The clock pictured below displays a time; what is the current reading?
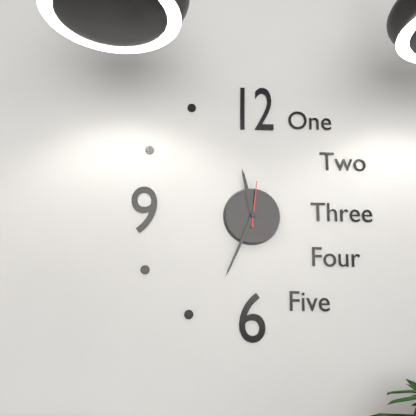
11:34
